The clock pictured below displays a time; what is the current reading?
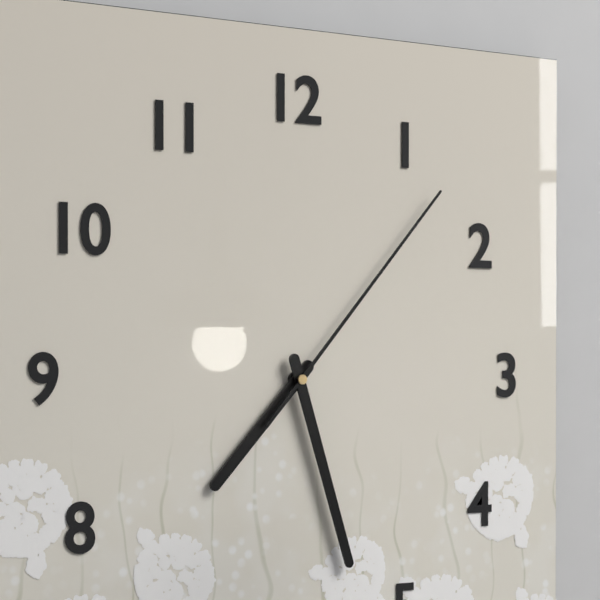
7:27:07
